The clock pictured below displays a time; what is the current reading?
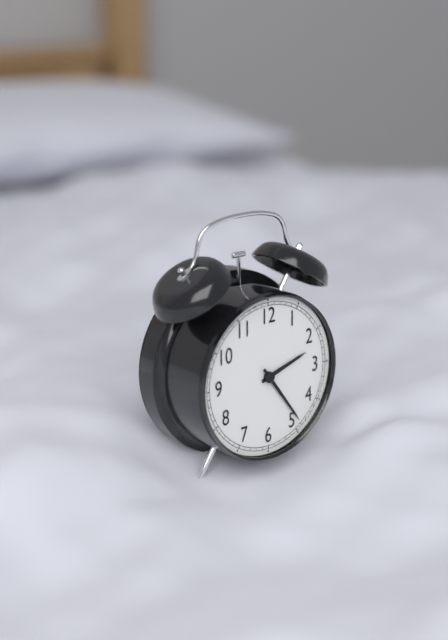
2:24
